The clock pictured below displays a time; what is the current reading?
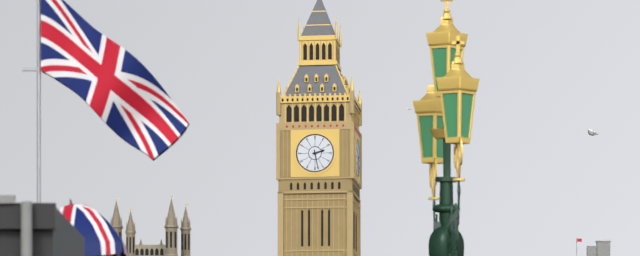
2:28
